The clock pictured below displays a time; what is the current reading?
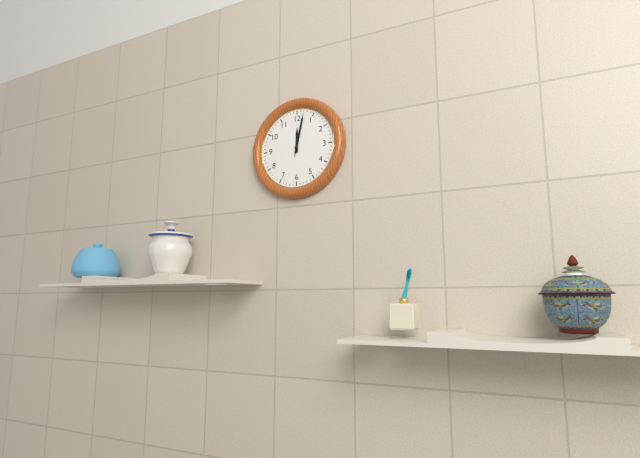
12:02
